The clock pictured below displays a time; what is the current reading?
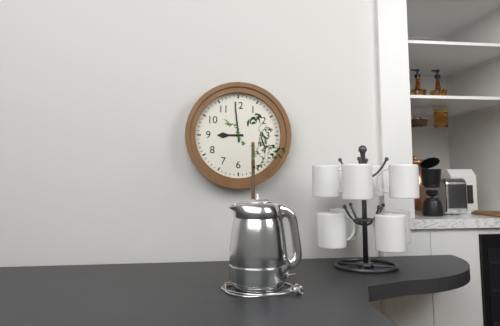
8:59
